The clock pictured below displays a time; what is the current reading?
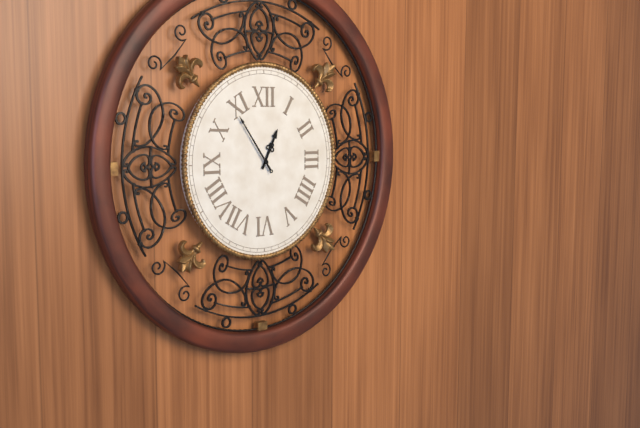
12:54
